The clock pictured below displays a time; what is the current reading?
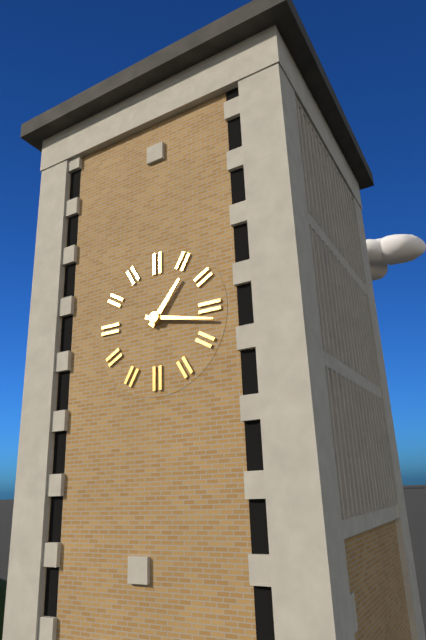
1:17
